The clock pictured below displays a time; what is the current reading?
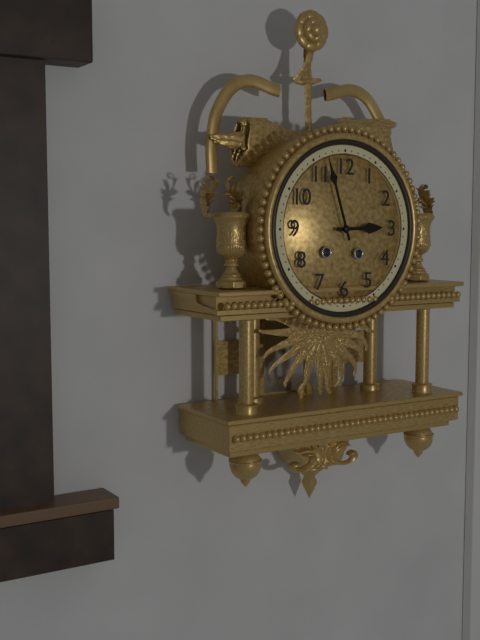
2:57
